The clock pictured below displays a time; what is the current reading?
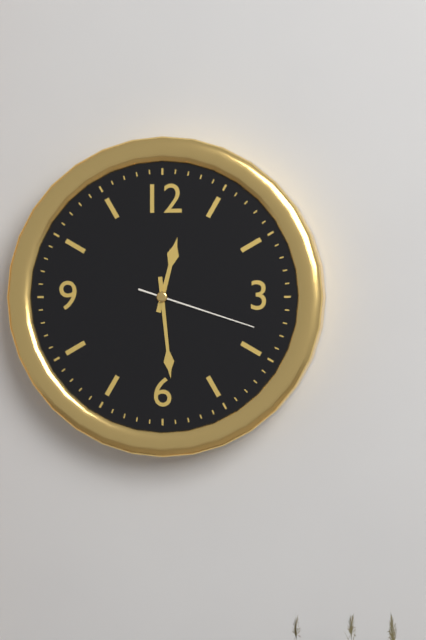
12:29:18
